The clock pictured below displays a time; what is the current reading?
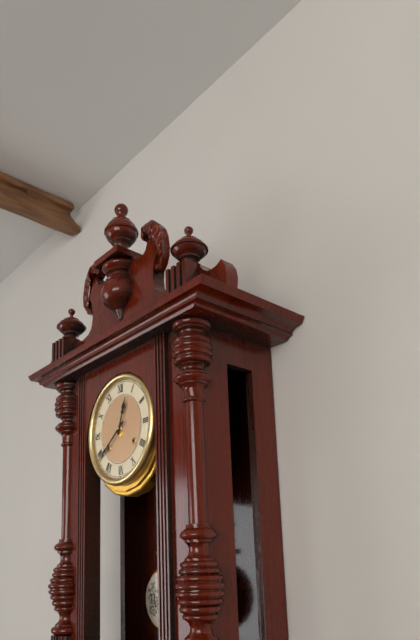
12:39
